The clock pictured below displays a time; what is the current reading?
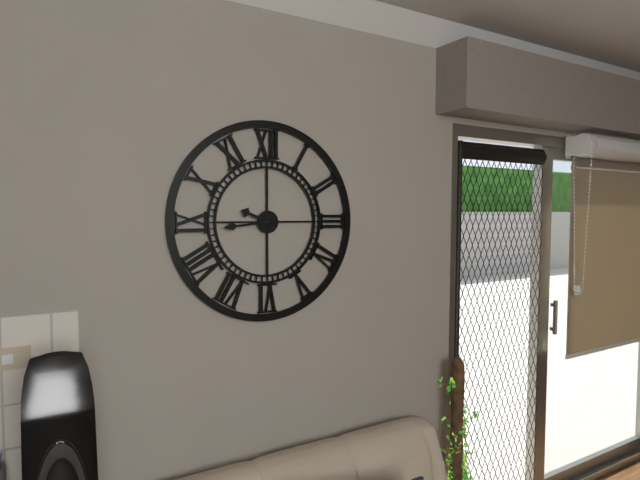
9:44
